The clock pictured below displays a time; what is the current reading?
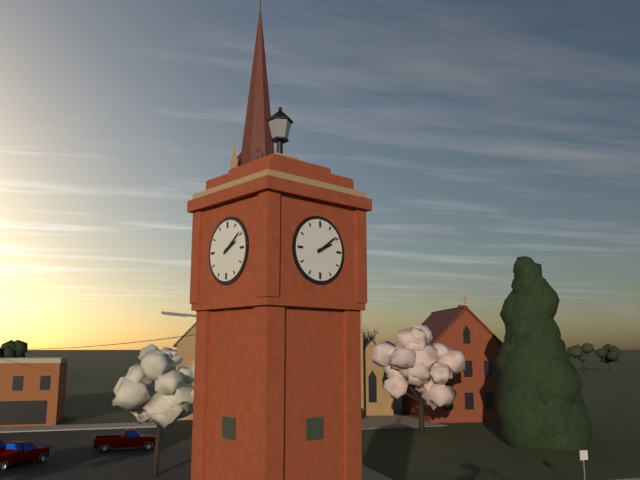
2:09
